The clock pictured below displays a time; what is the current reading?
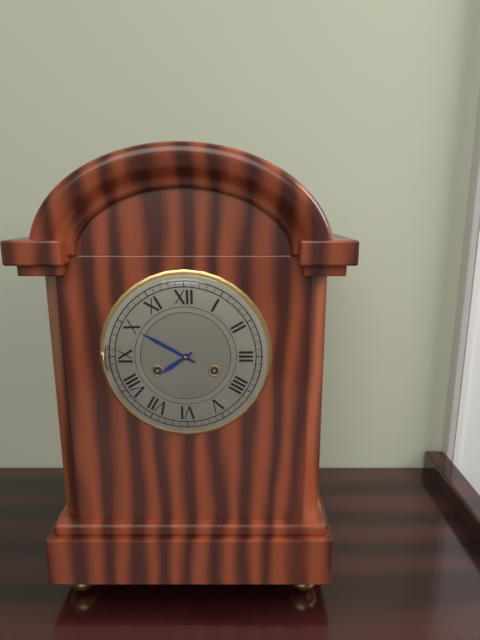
7:50
